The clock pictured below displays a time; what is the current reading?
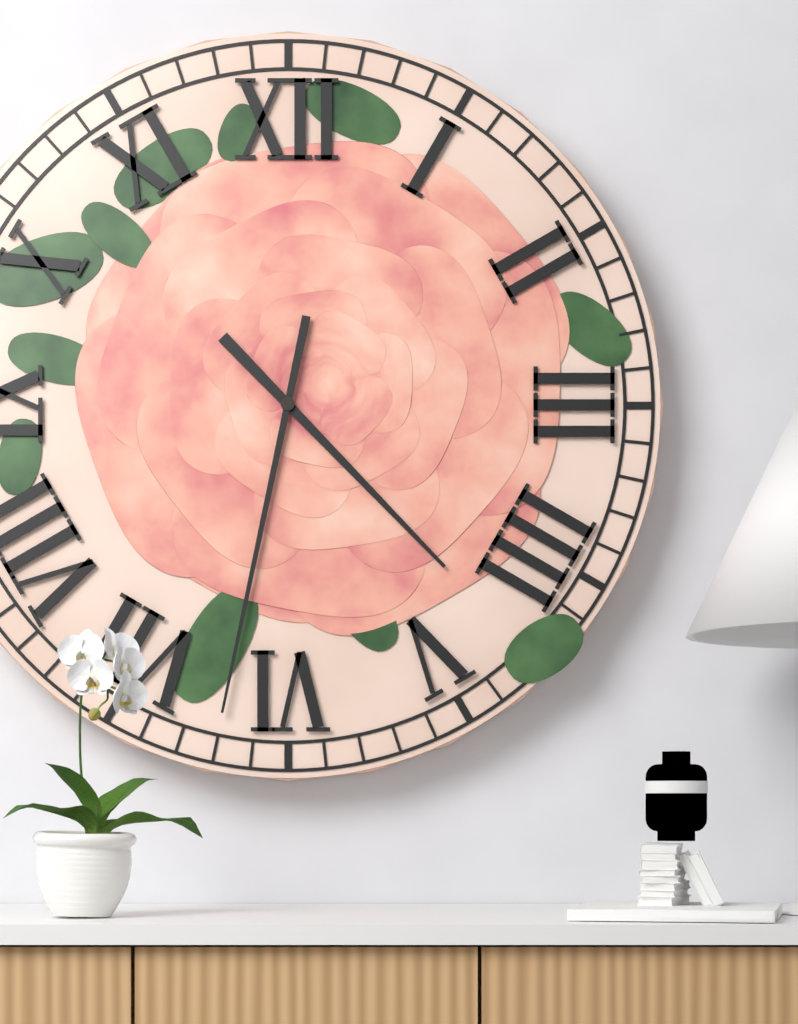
4:32
